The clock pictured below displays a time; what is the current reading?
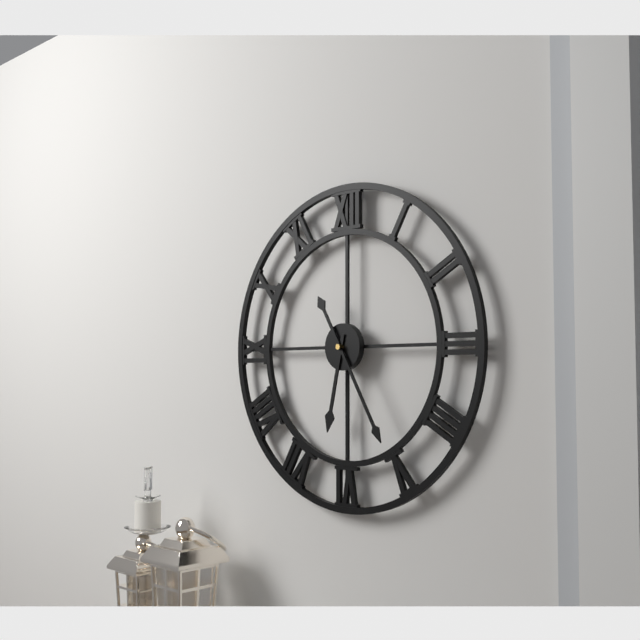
6:25
